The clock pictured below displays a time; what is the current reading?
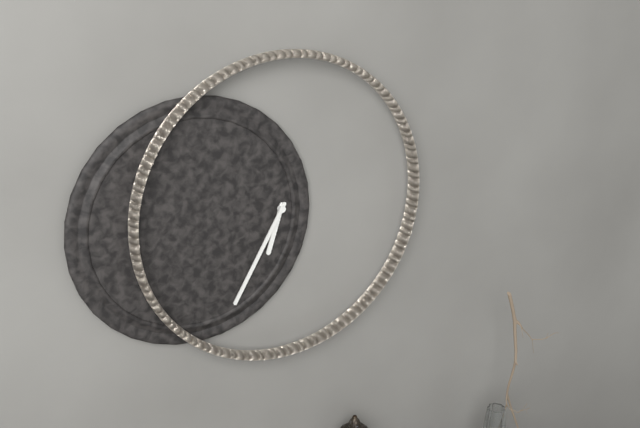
6:35
